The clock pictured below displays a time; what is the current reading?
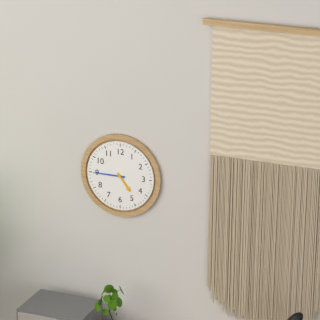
4:45
